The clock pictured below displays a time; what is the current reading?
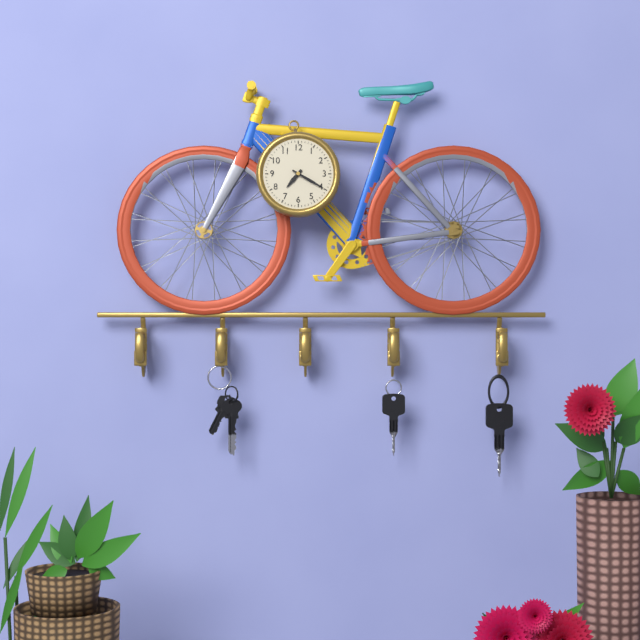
7:20
